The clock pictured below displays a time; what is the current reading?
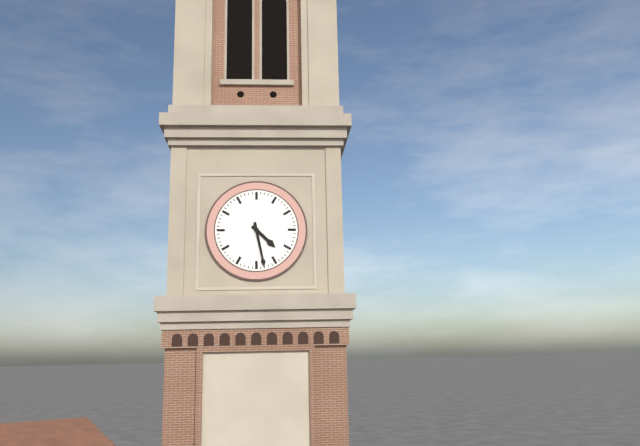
4:28
